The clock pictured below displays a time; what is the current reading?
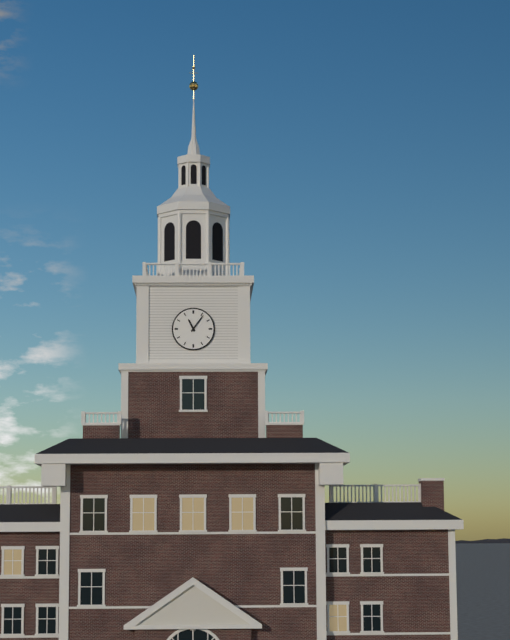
11:06
